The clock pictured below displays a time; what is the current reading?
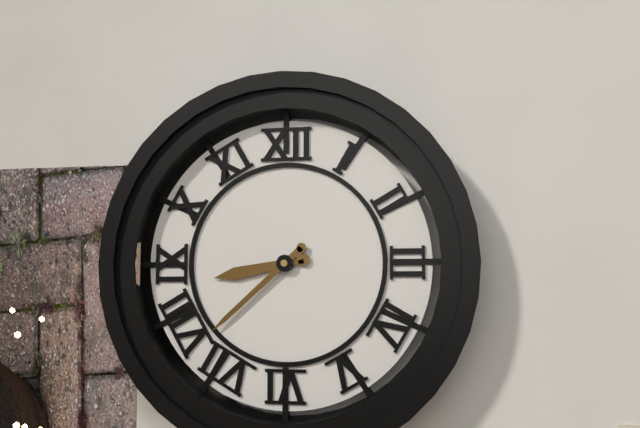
8:38
